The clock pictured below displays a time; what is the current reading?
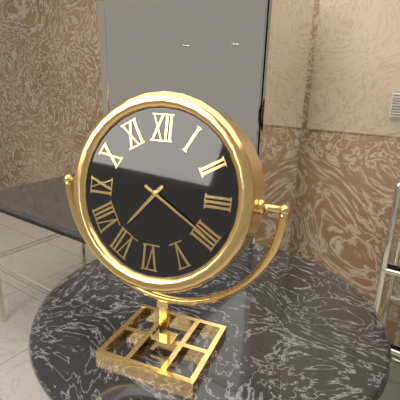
7:20
